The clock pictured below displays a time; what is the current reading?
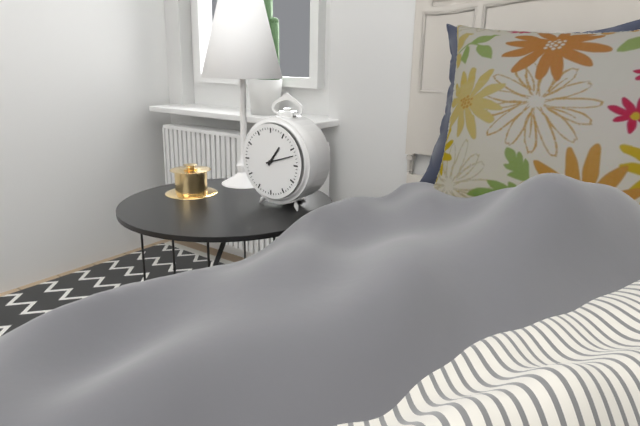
1:12
